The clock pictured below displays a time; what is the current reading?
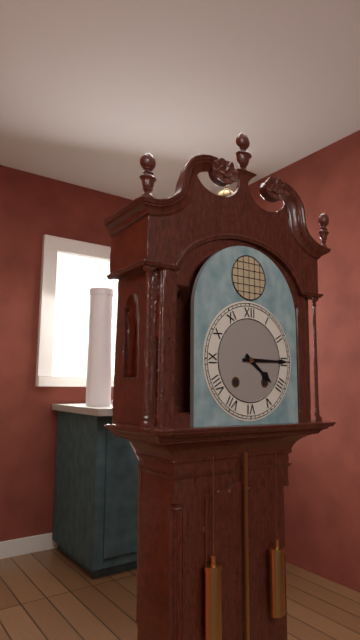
4:15
